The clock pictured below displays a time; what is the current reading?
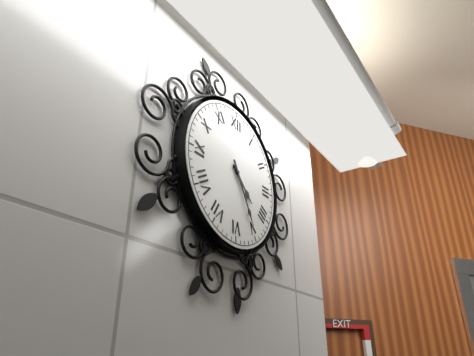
4:25
